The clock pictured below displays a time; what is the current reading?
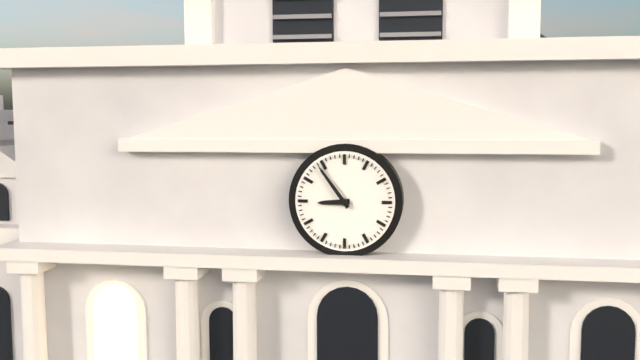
8:54
